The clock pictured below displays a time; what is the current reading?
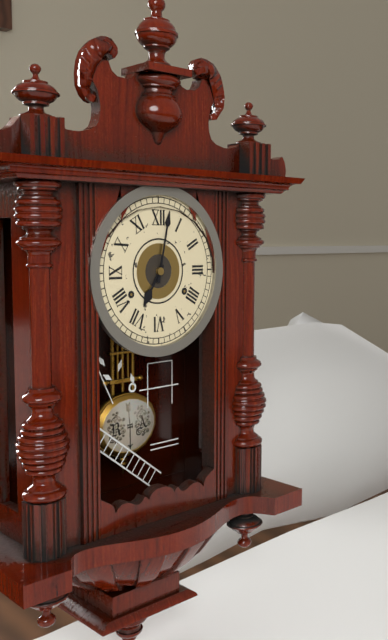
7:02
